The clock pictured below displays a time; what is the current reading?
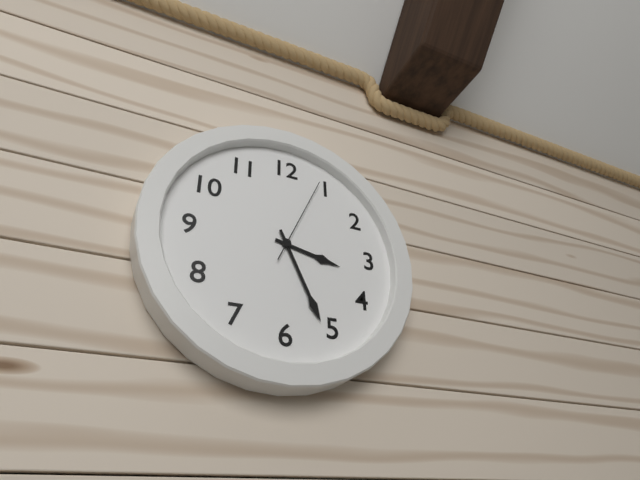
3:26:04
